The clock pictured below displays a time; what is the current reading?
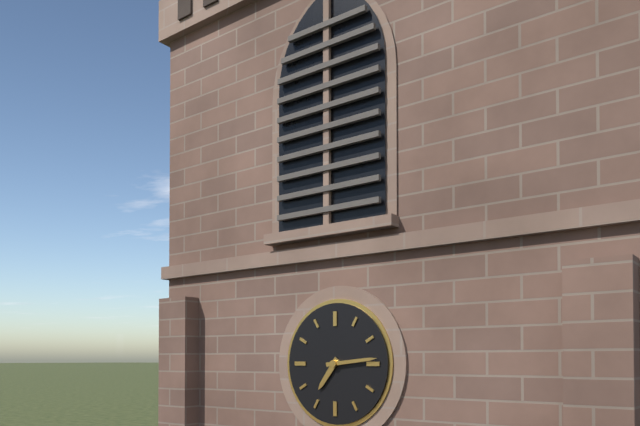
7:14
